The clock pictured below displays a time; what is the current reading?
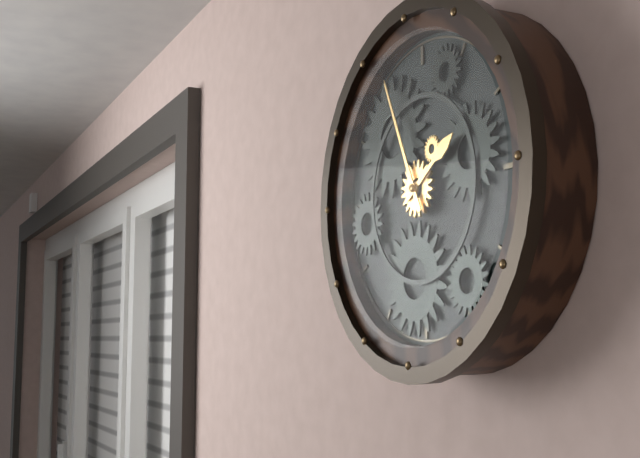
1:56
